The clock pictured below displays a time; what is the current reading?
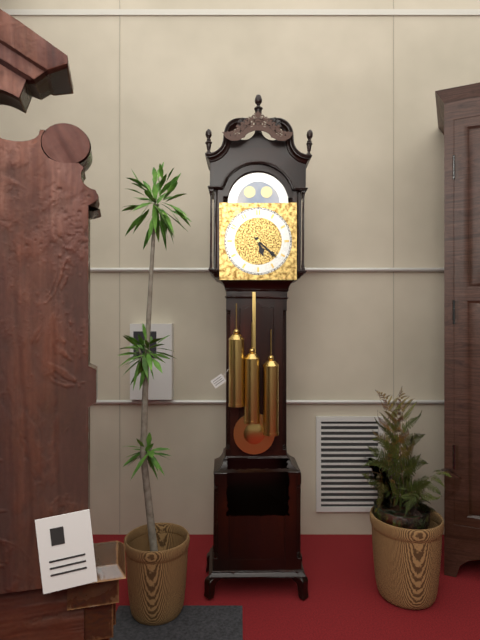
5:22
